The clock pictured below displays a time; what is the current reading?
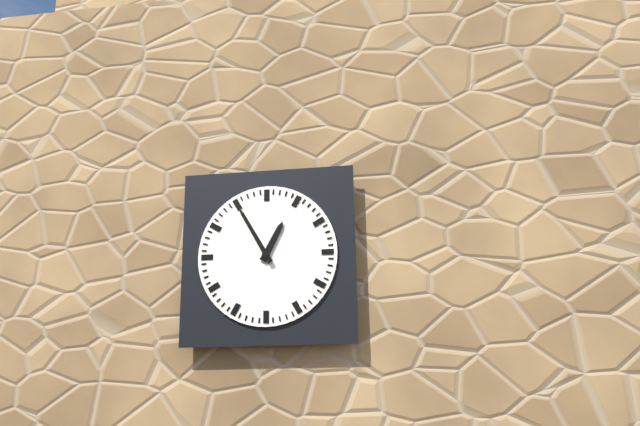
12:55
